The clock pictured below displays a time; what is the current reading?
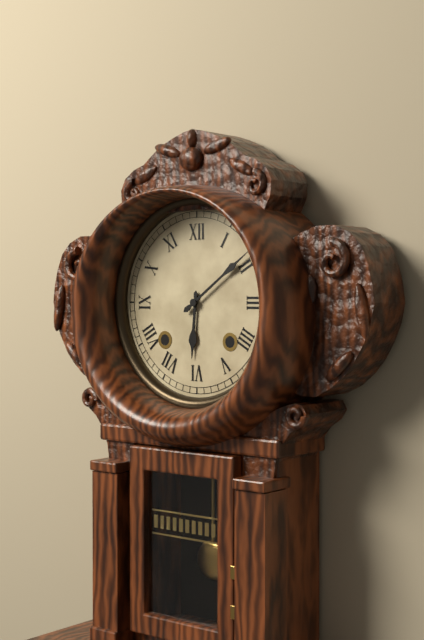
6:09
